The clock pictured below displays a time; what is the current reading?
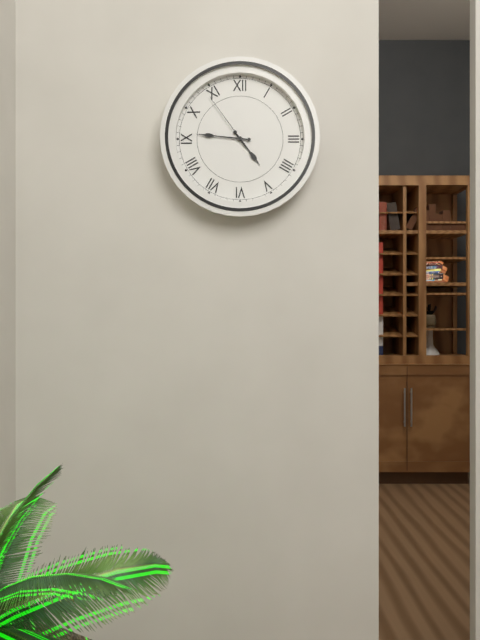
4:46:54
